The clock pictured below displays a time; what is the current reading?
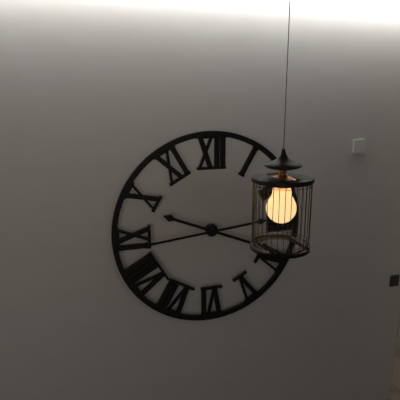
3:44
